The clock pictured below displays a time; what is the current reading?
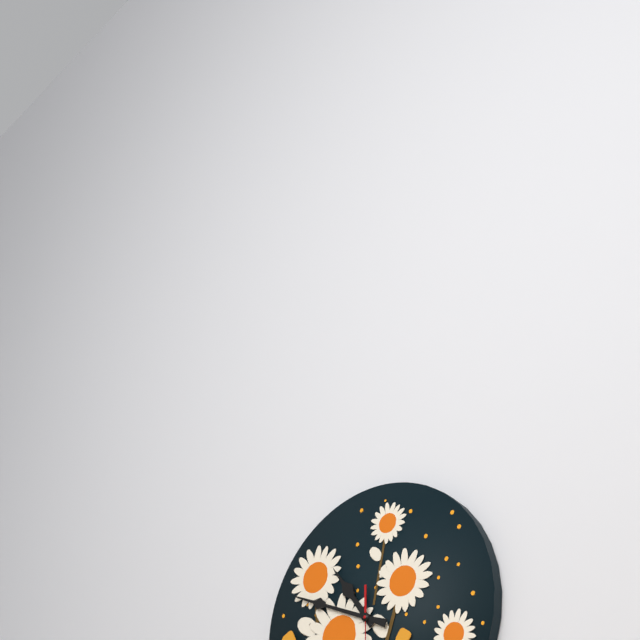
10:49
